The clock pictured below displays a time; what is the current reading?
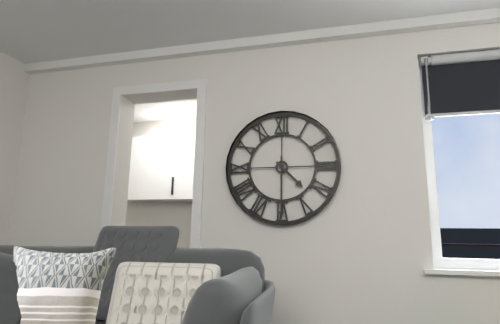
4:30
